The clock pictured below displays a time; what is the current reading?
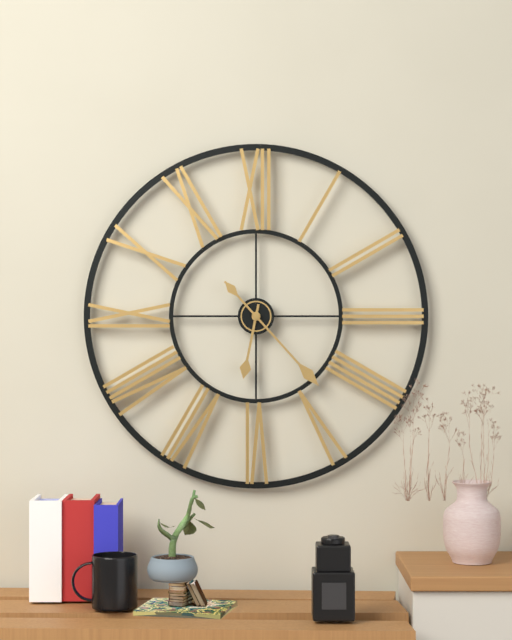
6:23
